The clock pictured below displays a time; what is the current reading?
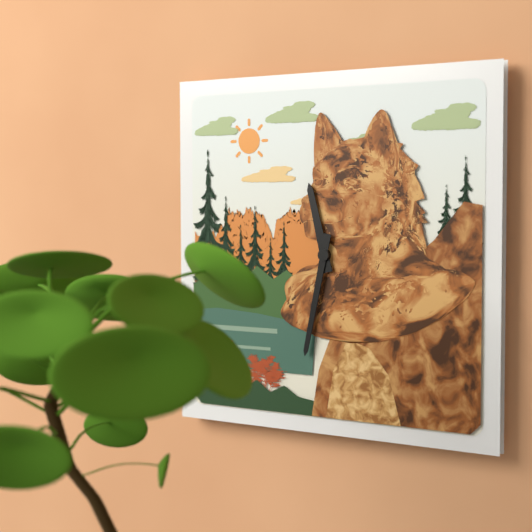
11:32
